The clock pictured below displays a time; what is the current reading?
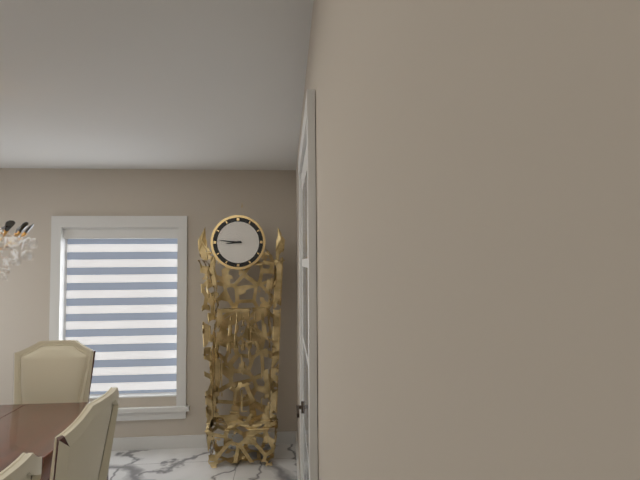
8:46
